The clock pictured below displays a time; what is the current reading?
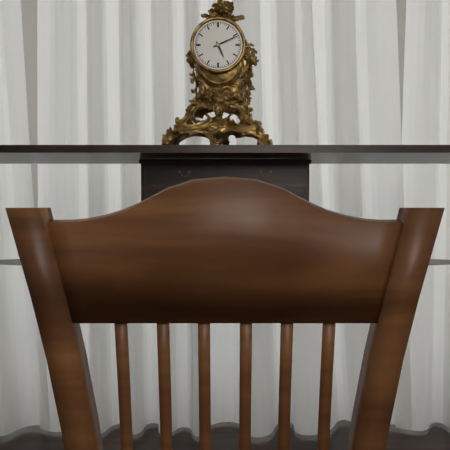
5:11
